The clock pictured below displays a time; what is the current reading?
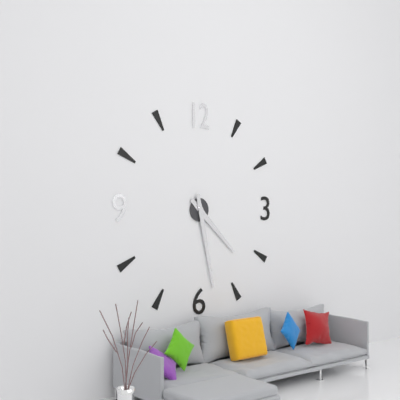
4:28
